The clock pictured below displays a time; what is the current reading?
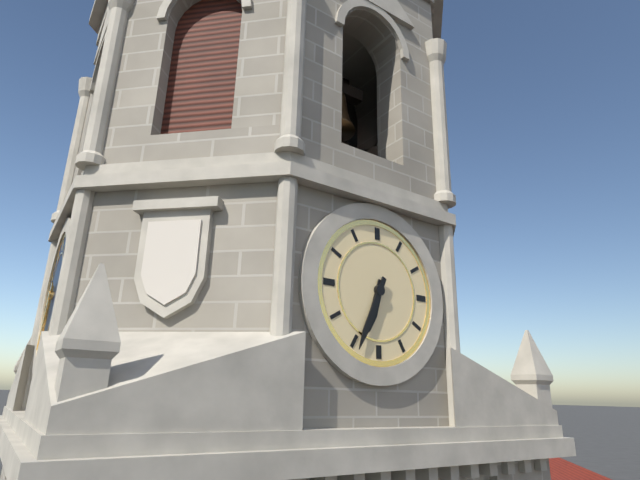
6:34
